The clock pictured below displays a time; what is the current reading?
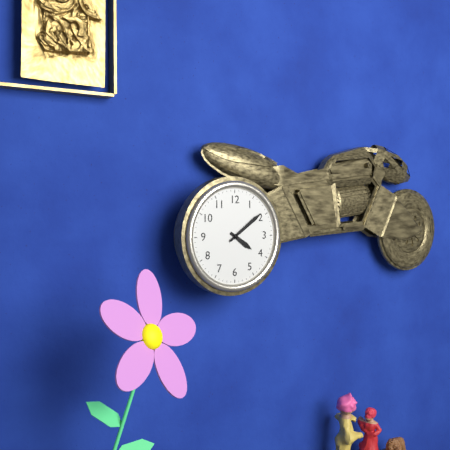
4:09
